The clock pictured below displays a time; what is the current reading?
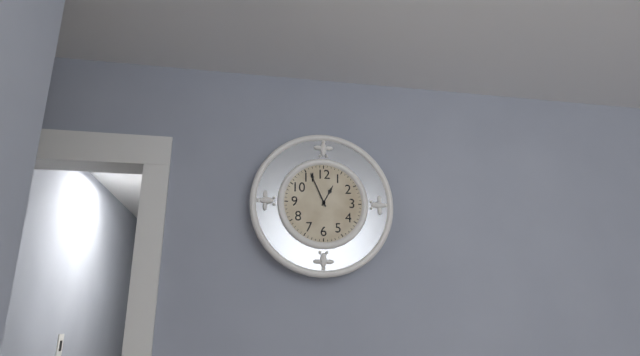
12:56
